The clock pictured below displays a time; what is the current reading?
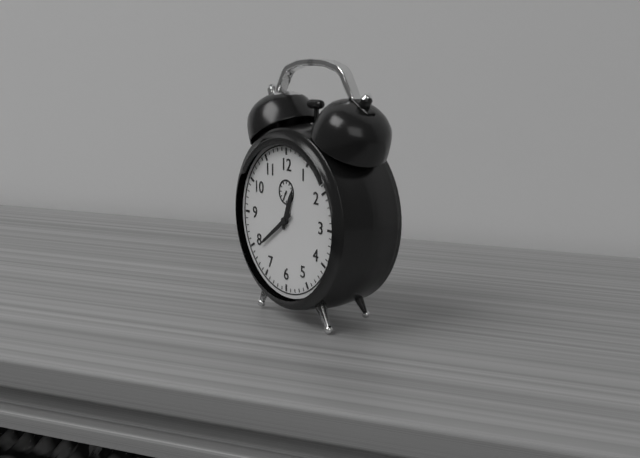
12:39
